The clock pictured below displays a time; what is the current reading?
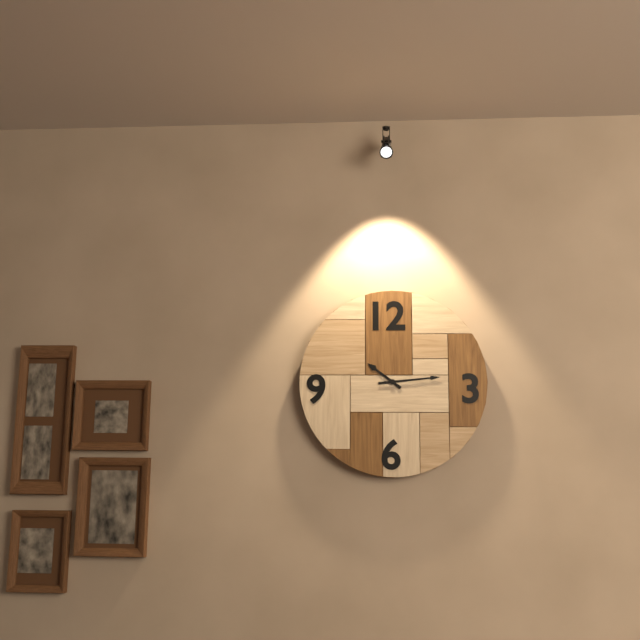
10:14
